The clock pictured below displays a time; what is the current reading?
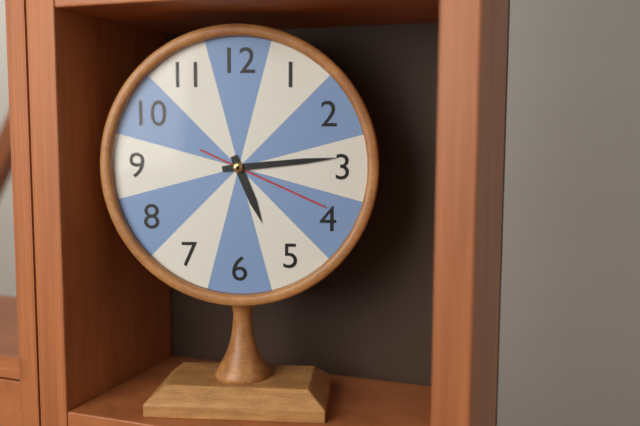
5:14:19
